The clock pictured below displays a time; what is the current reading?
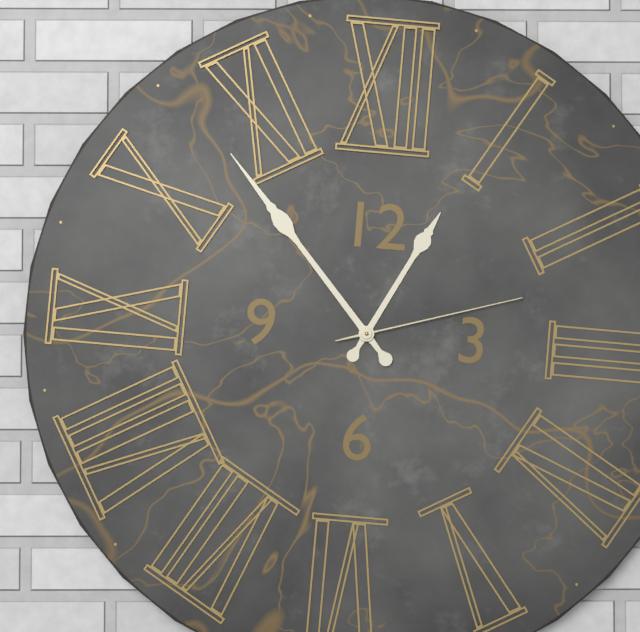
12:53:12
